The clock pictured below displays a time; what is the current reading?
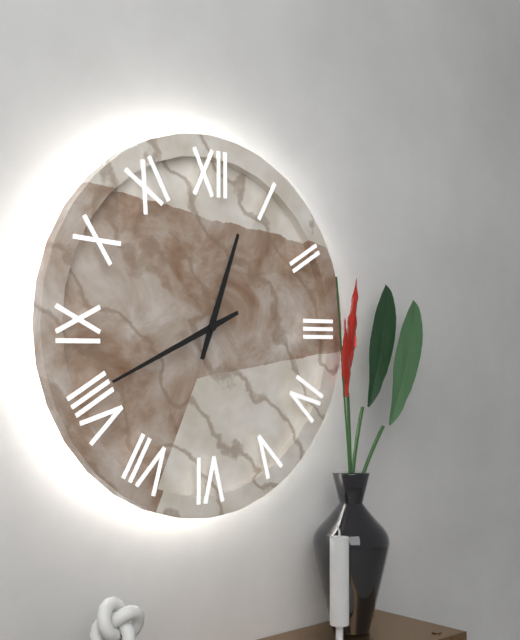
12:41
